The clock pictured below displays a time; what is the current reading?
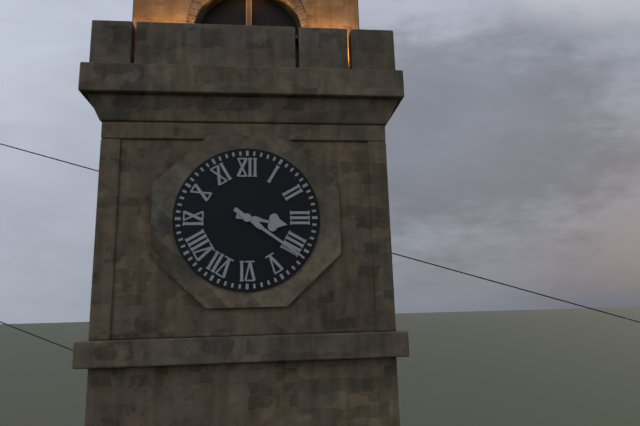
3:21
